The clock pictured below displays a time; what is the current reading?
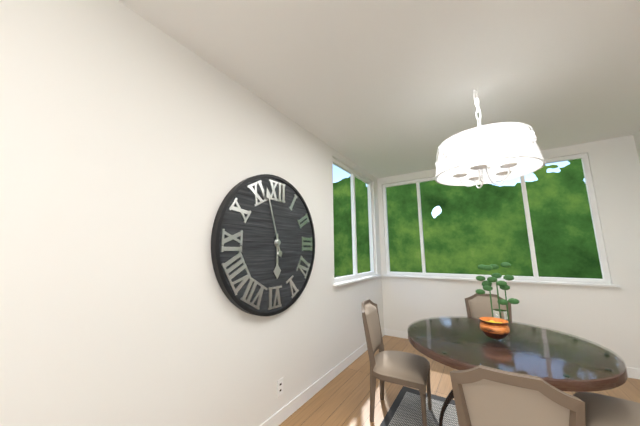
5:57
